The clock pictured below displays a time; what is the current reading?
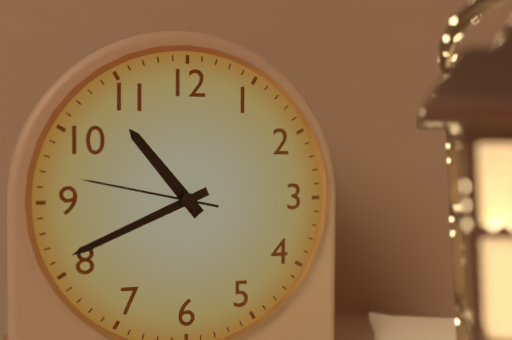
10:41:47
